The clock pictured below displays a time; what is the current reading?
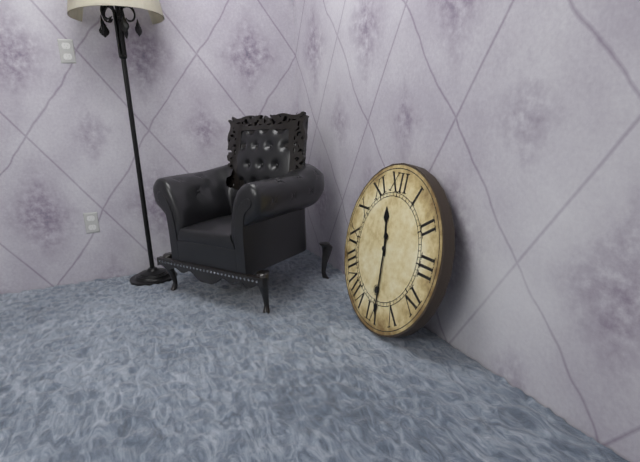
11:29
